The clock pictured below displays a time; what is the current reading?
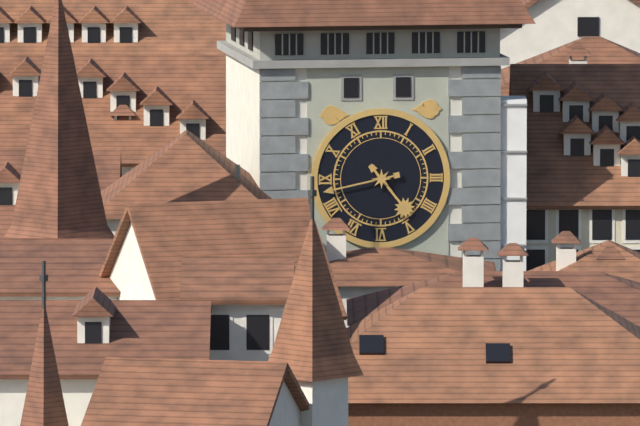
4:43
